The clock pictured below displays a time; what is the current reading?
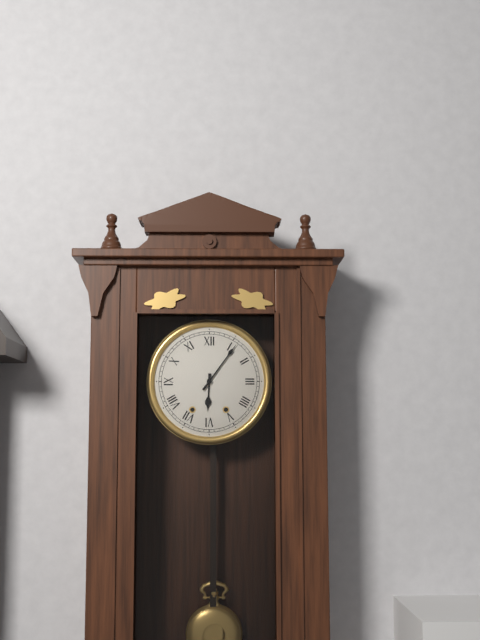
6:06
